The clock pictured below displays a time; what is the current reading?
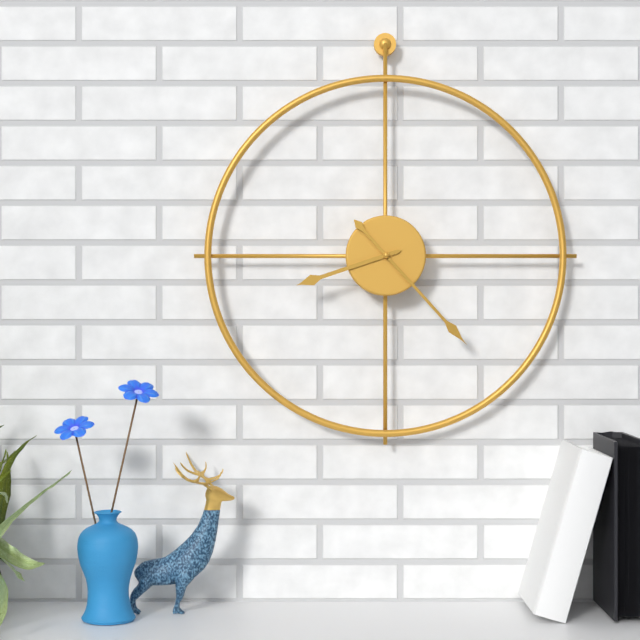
8:23
